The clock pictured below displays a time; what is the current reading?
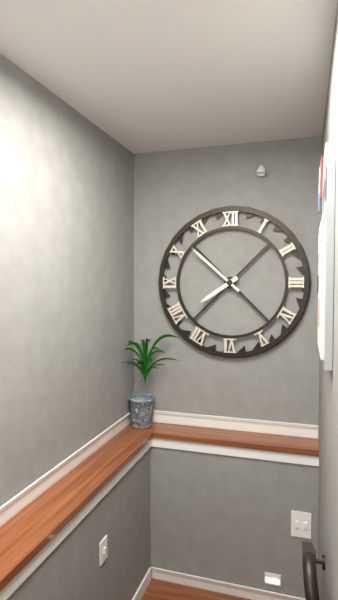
7:52
